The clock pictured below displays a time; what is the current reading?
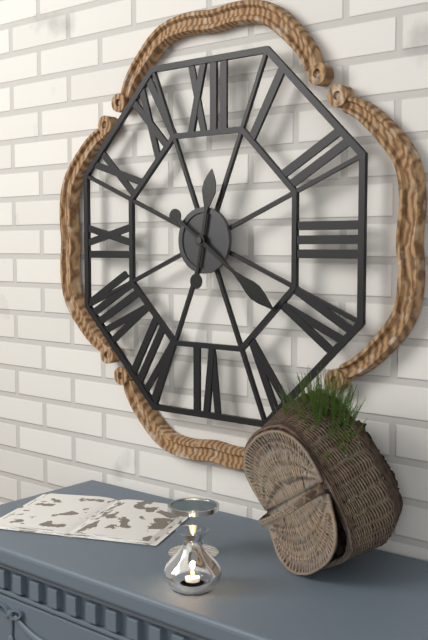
12:21
